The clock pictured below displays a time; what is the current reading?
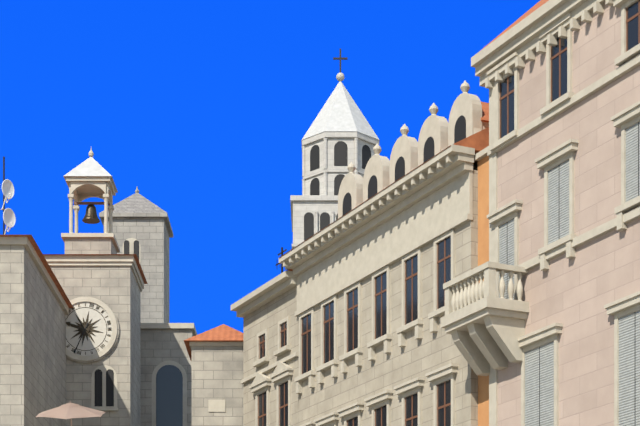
9:34
